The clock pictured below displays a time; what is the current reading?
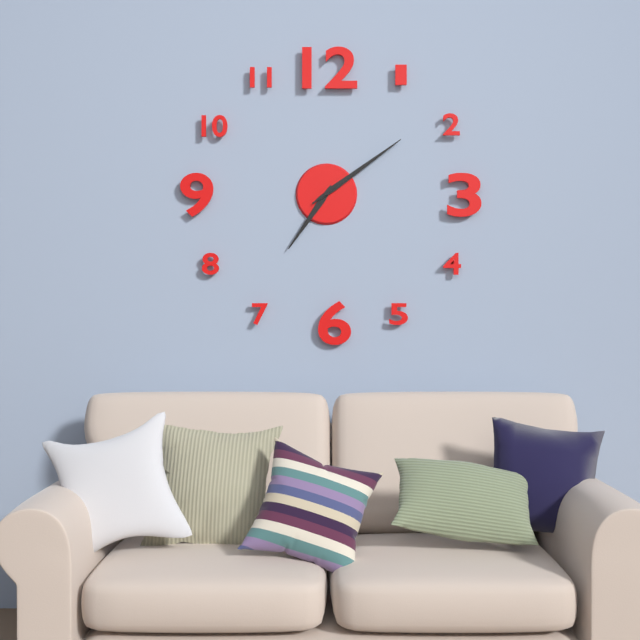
7:09:09
